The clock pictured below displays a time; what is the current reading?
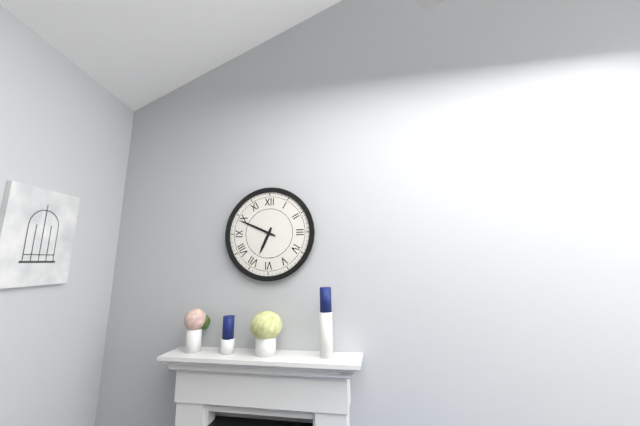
6:49
